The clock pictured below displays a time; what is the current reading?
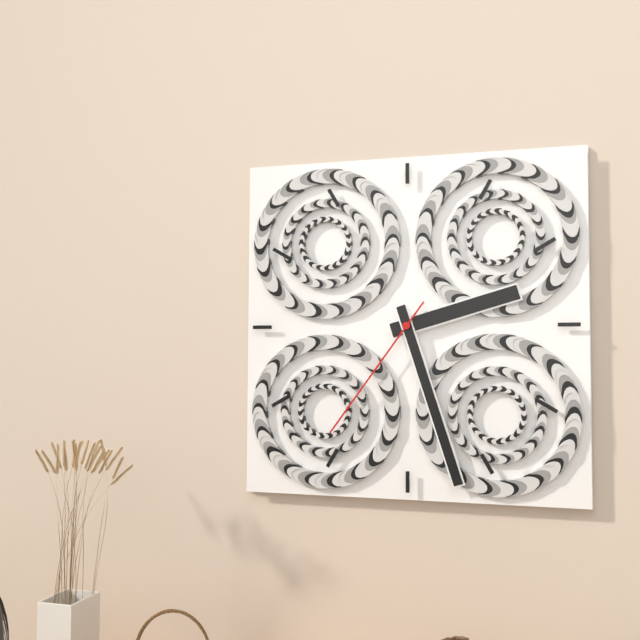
2:27:36
